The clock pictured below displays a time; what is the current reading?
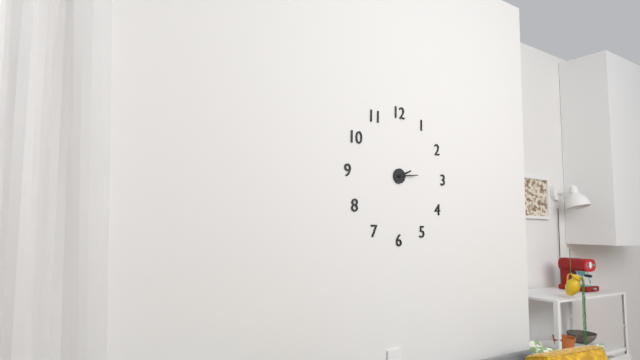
2:14
